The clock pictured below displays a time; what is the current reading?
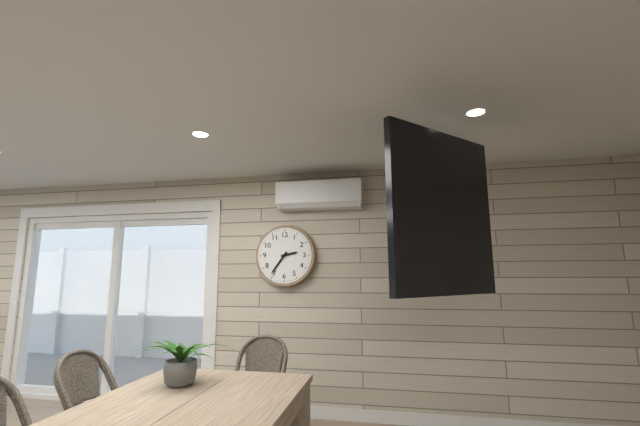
2:36
